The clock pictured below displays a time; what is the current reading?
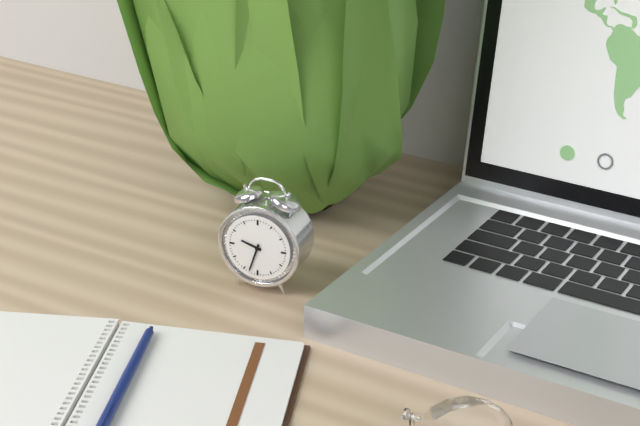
9:33
